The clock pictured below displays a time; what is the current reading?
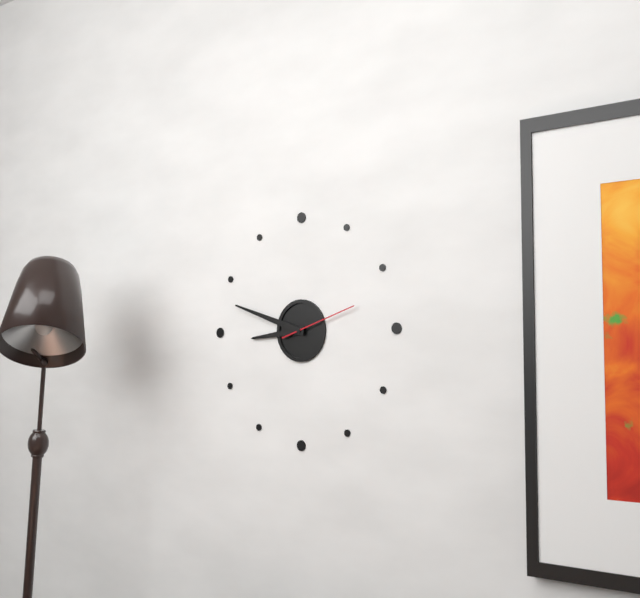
8:48:12
